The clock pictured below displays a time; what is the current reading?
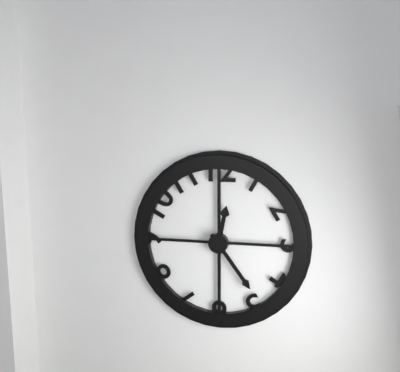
12:24
